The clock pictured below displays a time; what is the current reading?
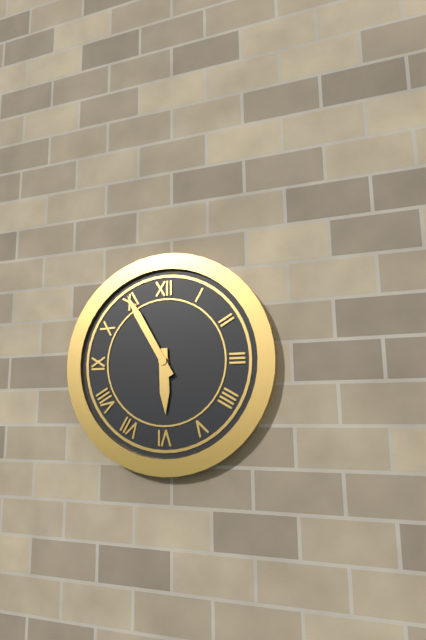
5:55
